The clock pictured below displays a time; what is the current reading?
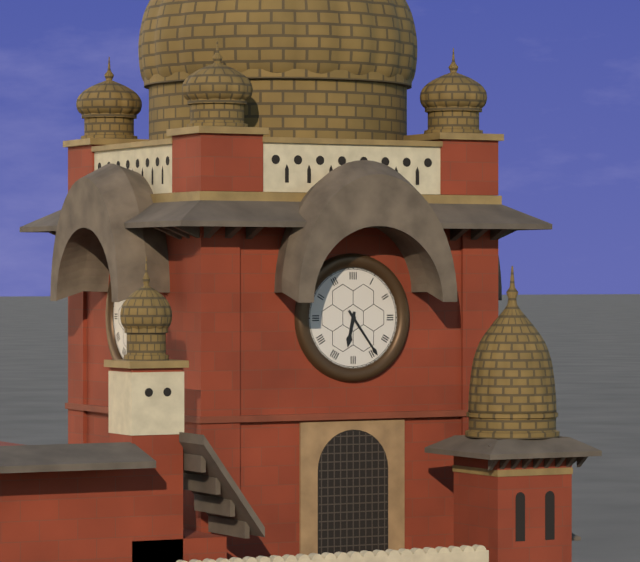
6:24
